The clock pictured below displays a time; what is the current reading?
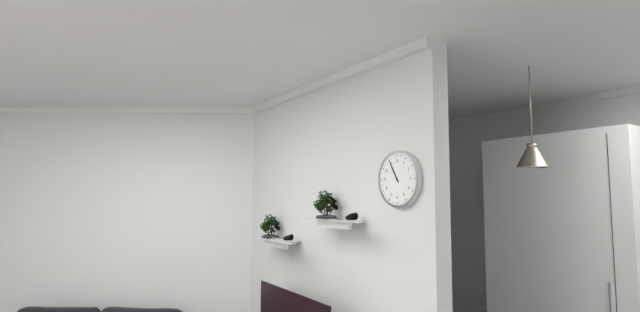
10:55
